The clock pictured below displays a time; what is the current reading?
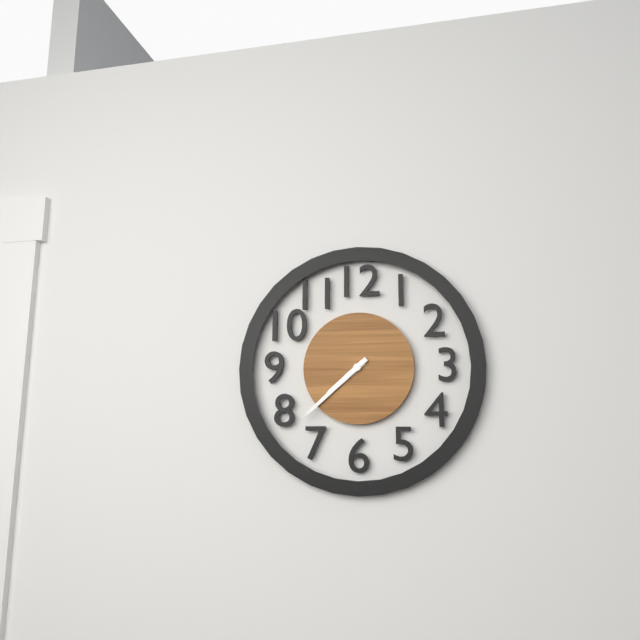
7:38
